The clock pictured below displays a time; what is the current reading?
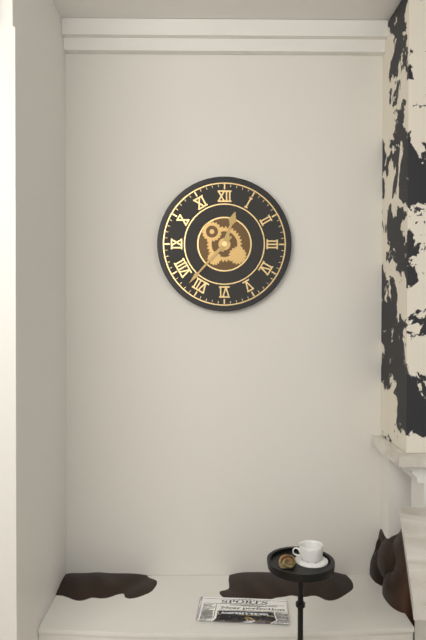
12:37
